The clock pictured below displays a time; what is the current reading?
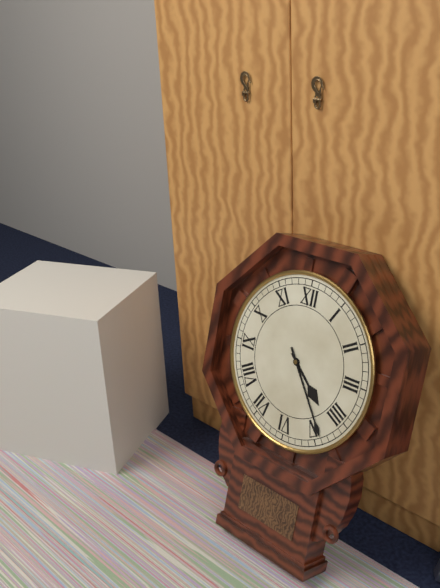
4:24
